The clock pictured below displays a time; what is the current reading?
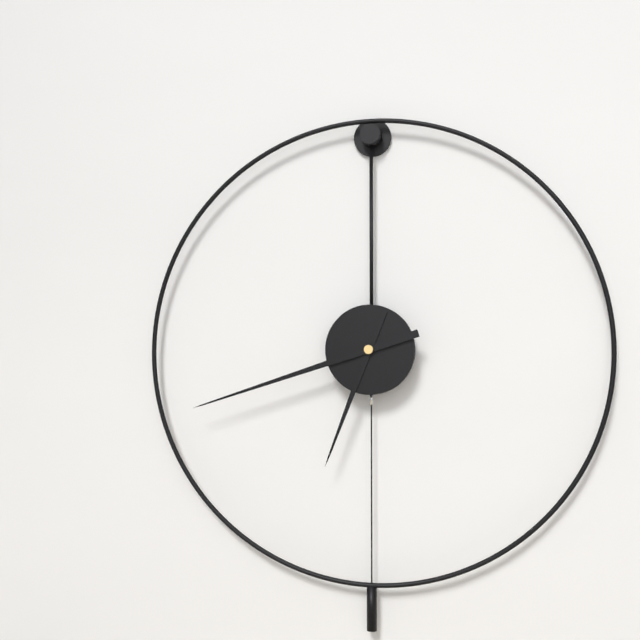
6:42
